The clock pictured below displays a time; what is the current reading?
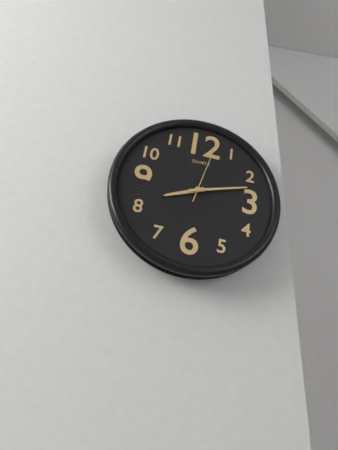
8:12:02
